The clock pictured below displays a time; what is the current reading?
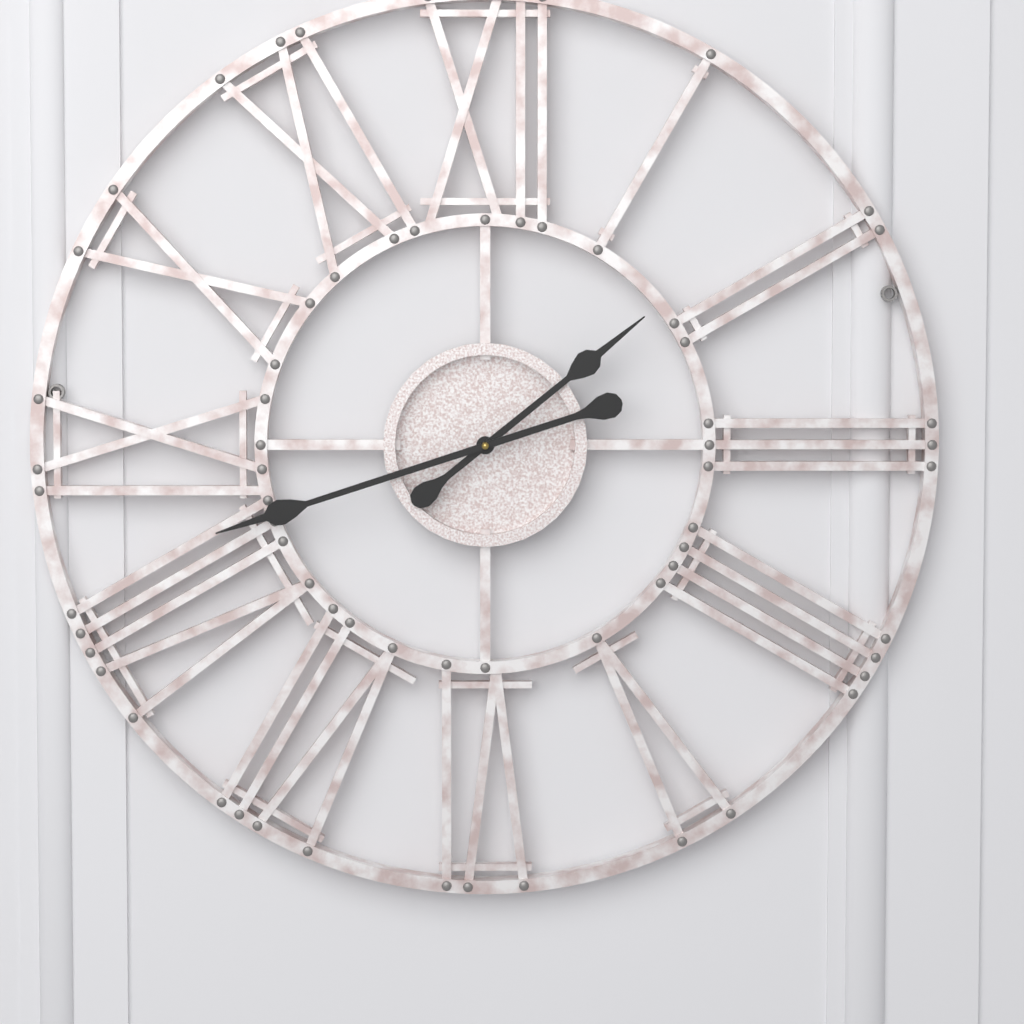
1:42
